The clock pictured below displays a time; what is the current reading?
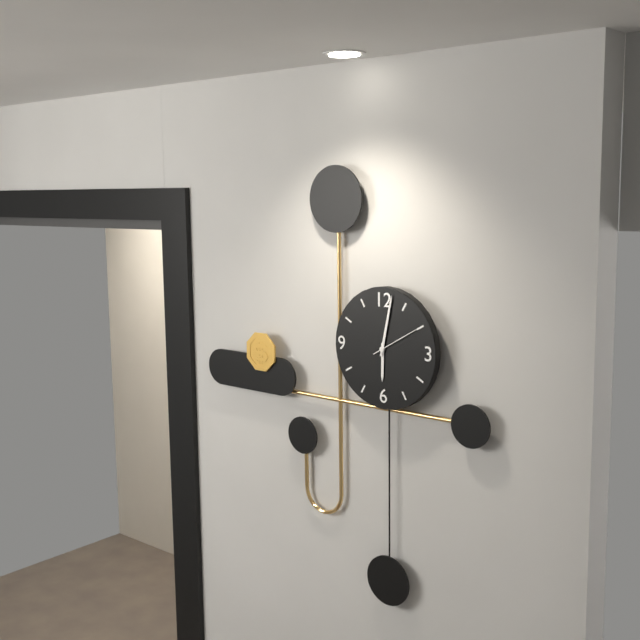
6:02:10
